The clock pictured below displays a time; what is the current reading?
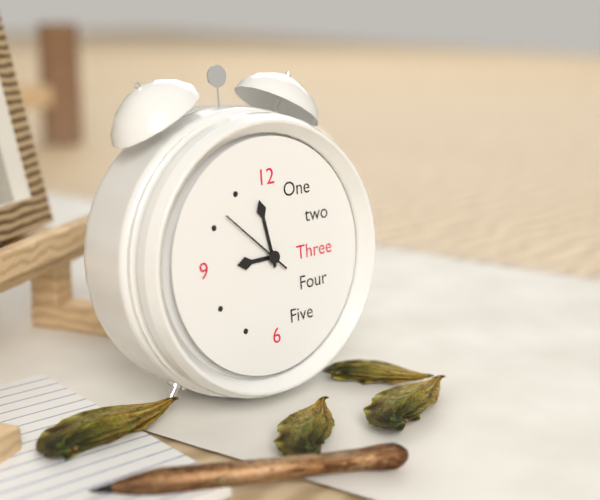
8:58:52
